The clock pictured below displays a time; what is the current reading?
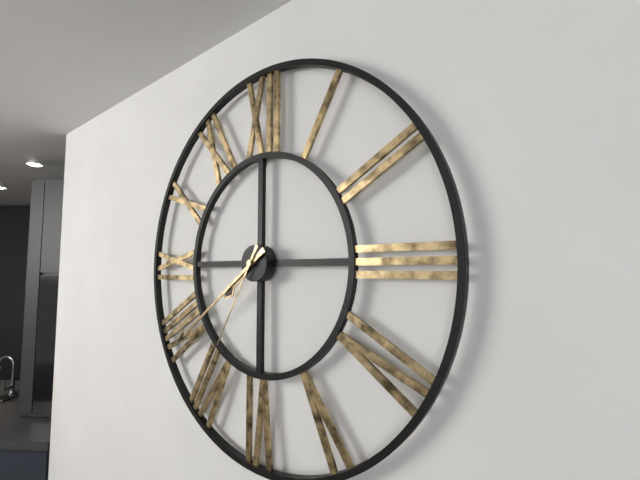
7:39:35
